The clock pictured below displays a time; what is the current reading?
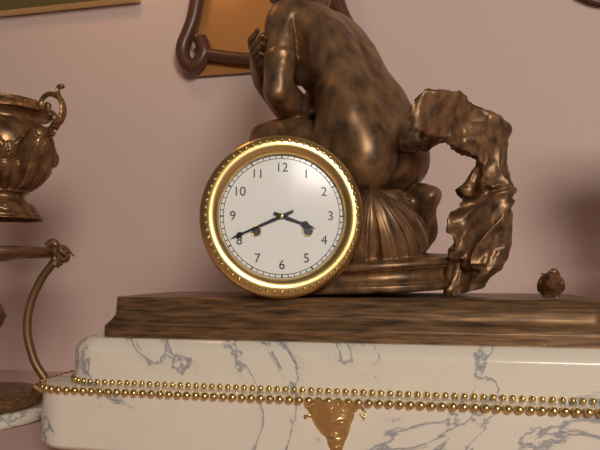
3:41
